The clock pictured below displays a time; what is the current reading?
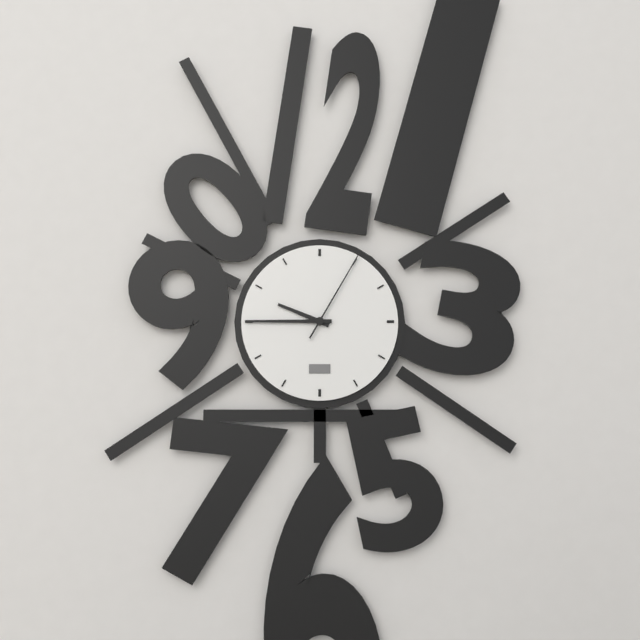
9:45:05
